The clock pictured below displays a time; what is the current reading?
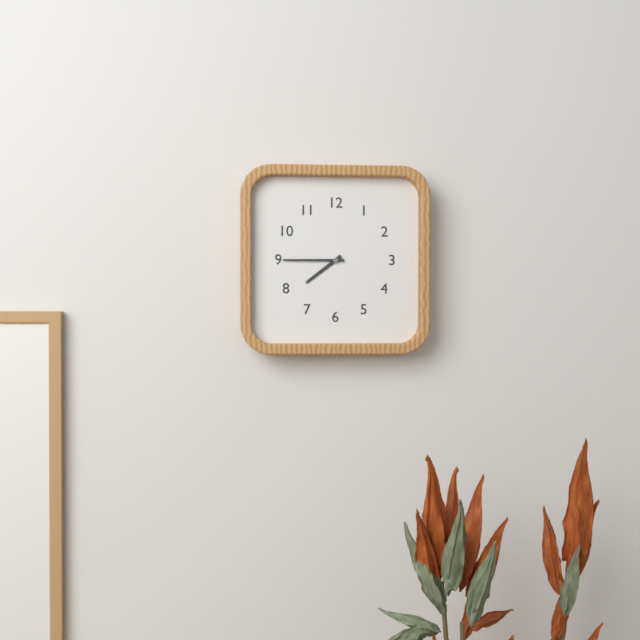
7:45
